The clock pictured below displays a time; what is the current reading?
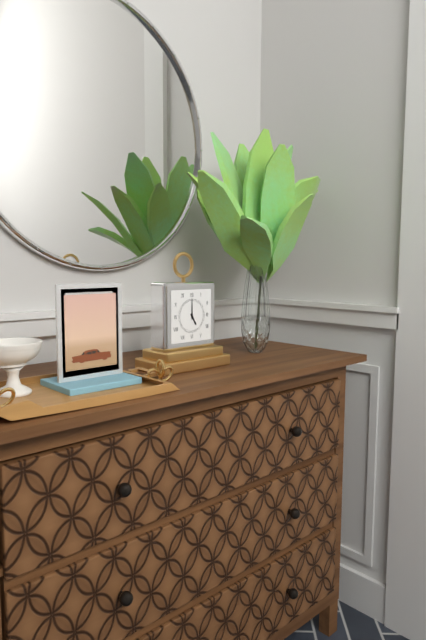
5:00
